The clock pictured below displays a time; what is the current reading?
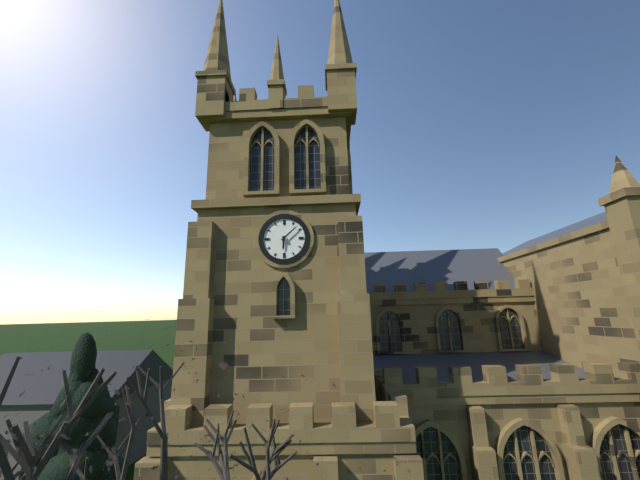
6:08
